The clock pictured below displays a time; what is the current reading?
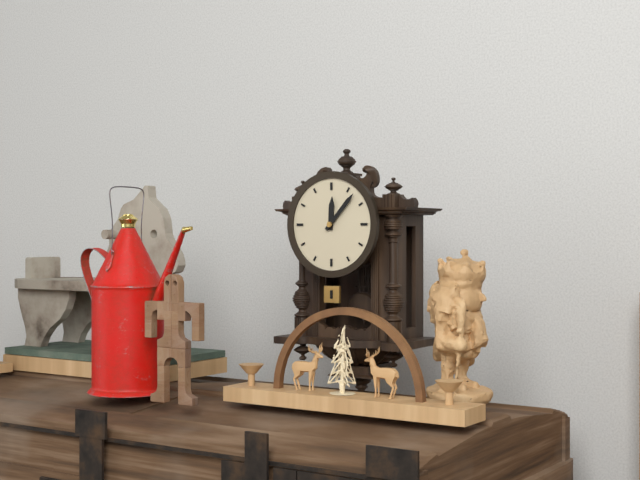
12:07
